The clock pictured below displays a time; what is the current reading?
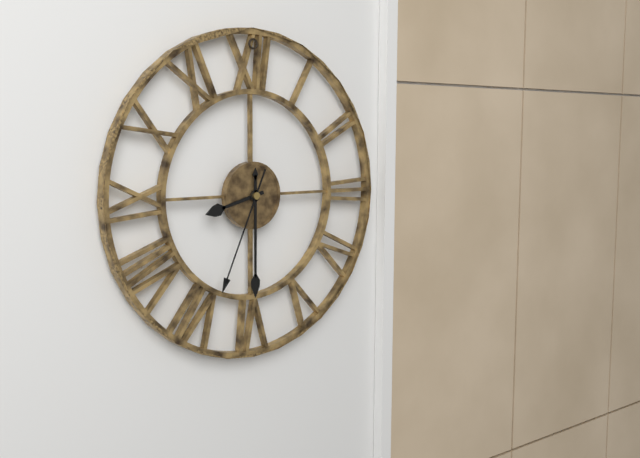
8:30:34
